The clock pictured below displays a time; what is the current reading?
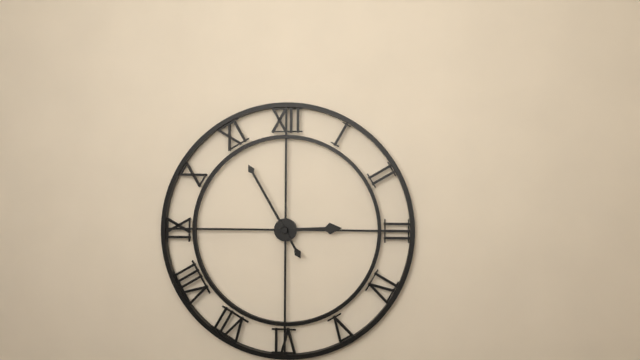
2:55
